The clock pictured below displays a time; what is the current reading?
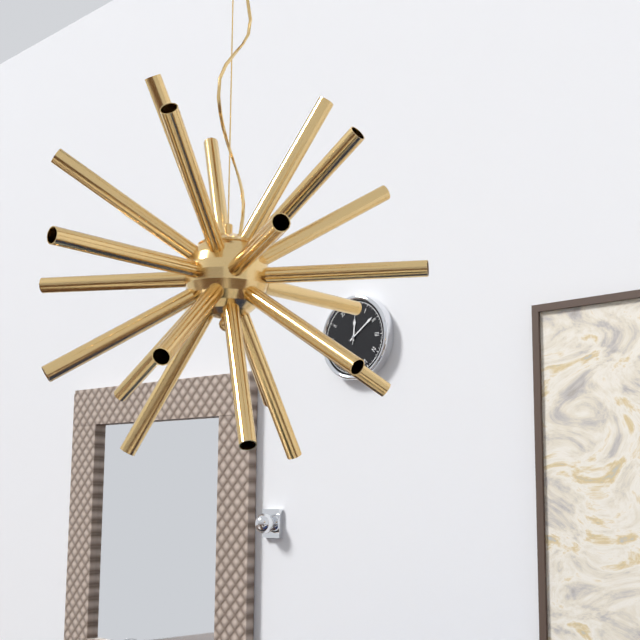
12:09
